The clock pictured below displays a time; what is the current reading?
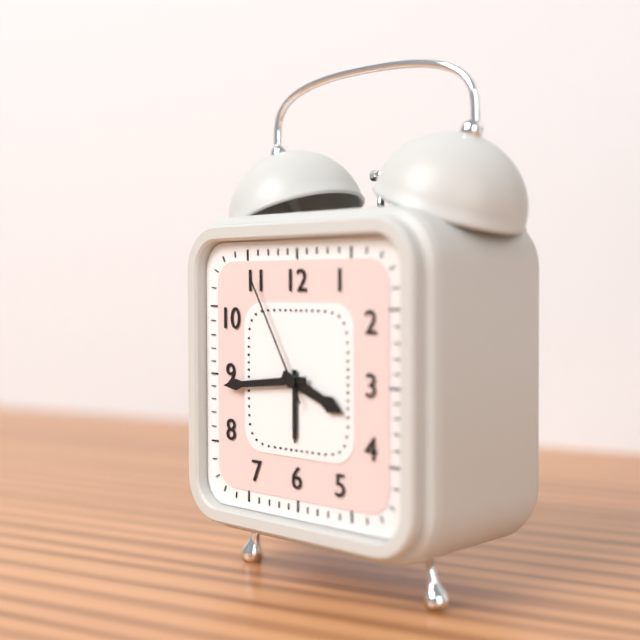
3:44:55
